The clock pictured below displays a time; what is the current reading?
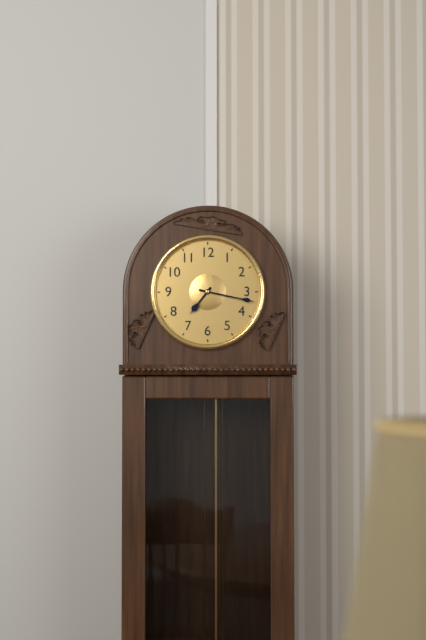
7:17
